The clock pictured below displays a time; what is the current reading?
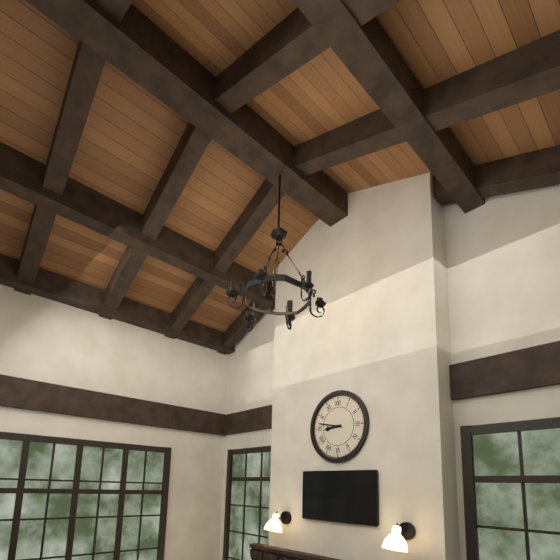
8:47
